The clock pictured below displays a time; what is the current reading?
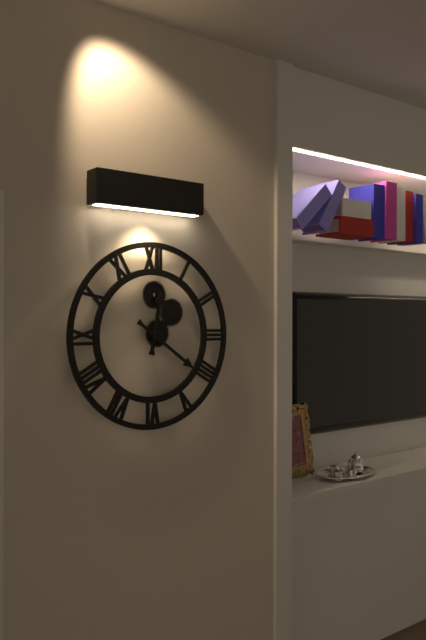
12:21
